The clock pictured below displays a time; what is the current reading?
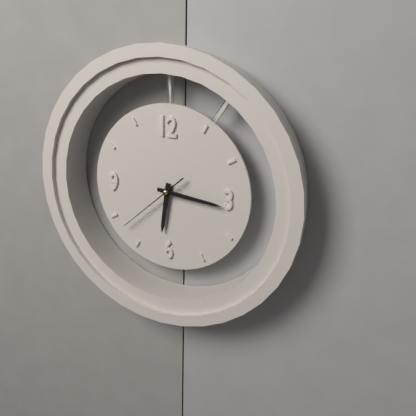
6:16:38
